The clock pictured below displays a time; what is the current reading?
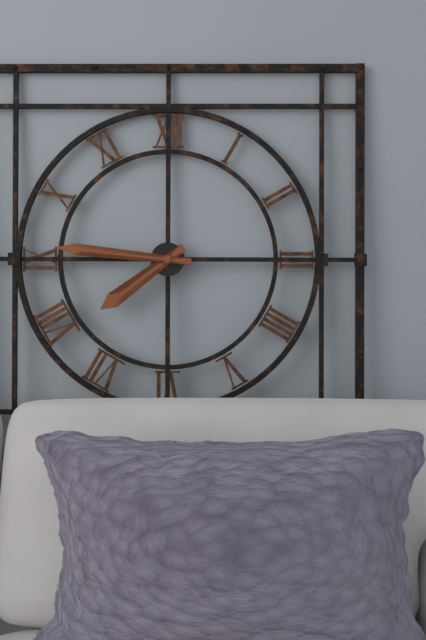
7:46
